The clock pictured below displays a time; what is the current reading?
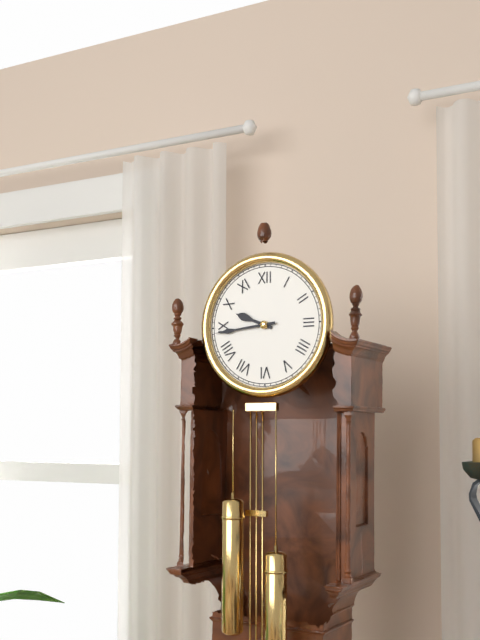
9:44
